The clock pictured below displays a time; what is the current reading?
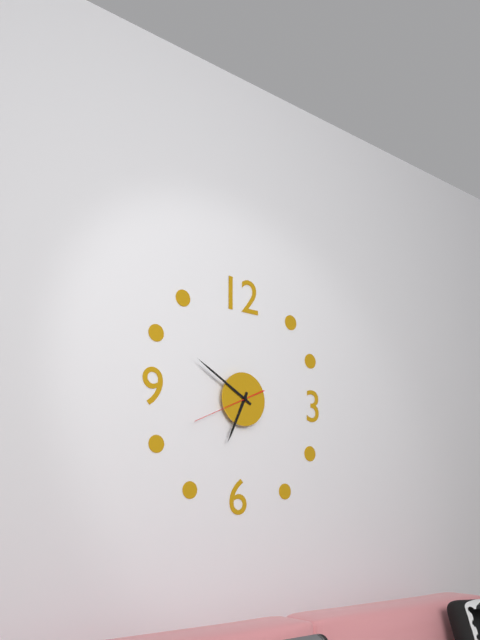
6:50:41
